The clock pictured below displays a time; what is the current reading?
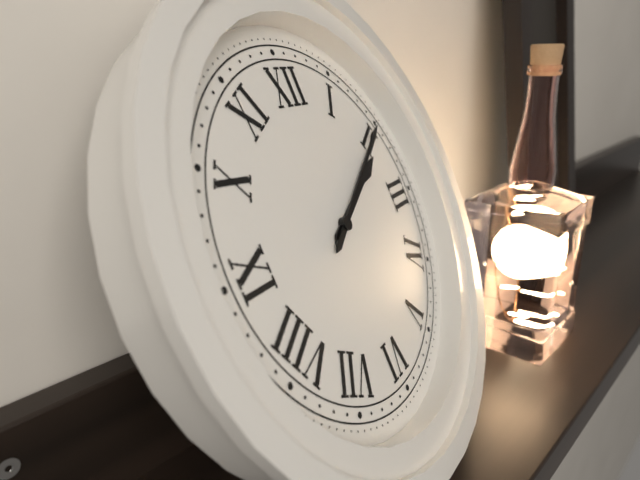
2:10
